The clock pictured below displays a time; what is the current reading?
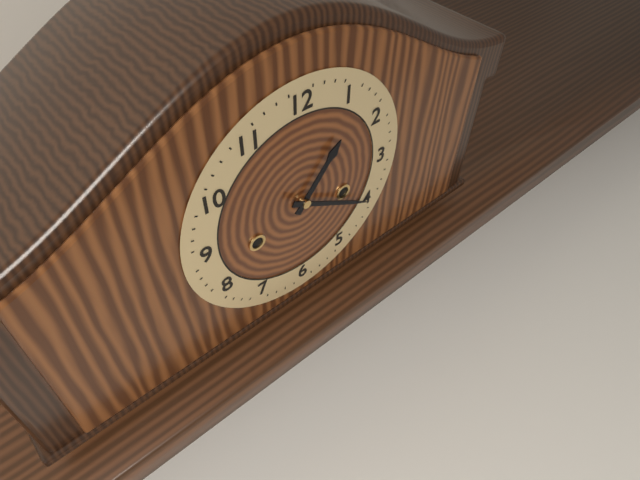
1:20
